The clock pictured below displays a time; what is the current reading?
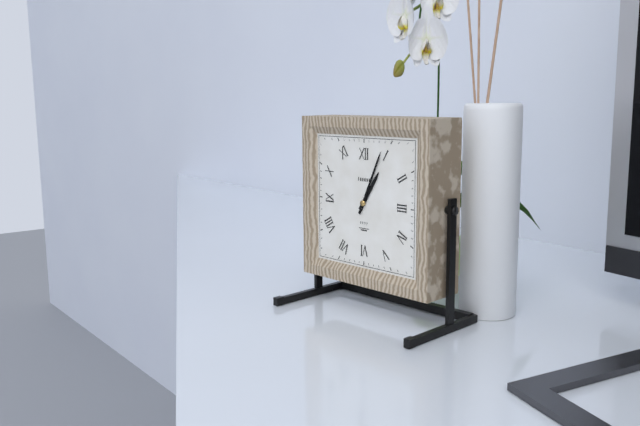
1:04
